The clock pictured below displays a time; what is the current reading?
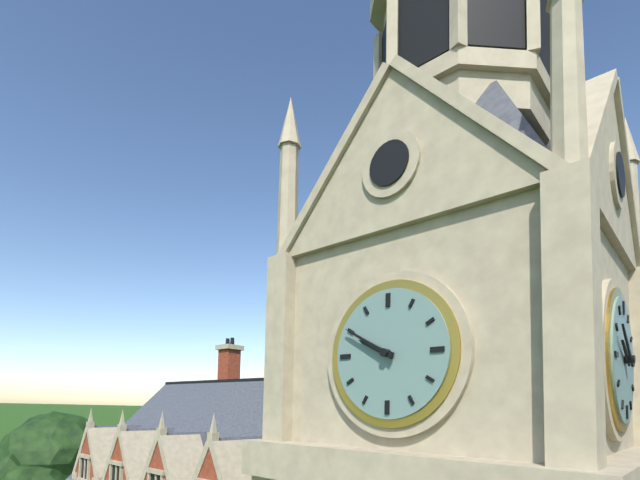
9:50
